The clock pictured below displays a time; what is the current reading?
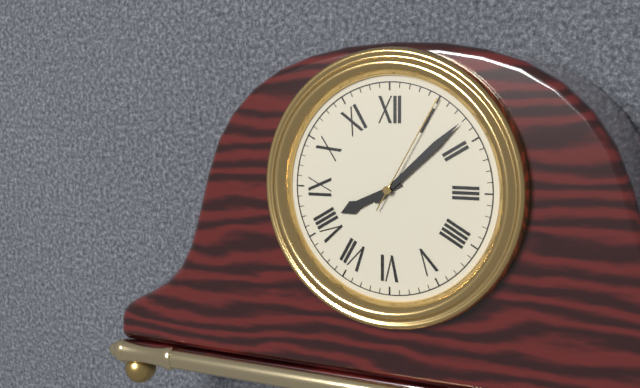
8:08:05
